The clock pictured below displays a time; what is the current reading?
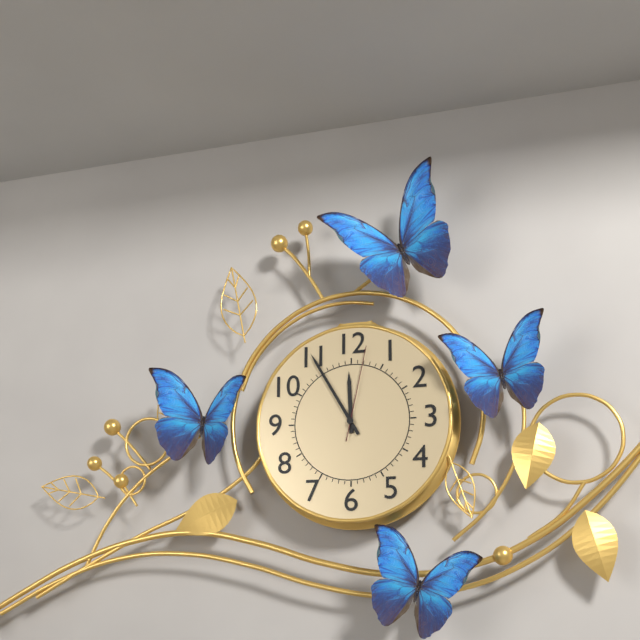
11:55:02
